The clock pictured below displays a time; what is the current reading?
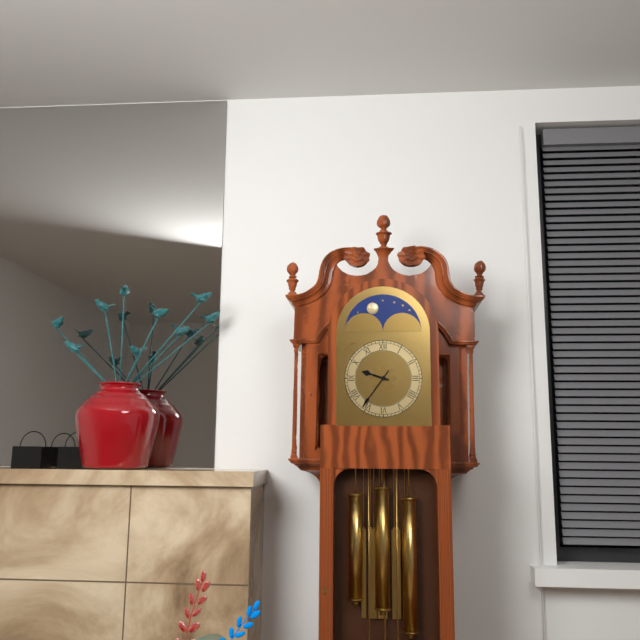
9:36
